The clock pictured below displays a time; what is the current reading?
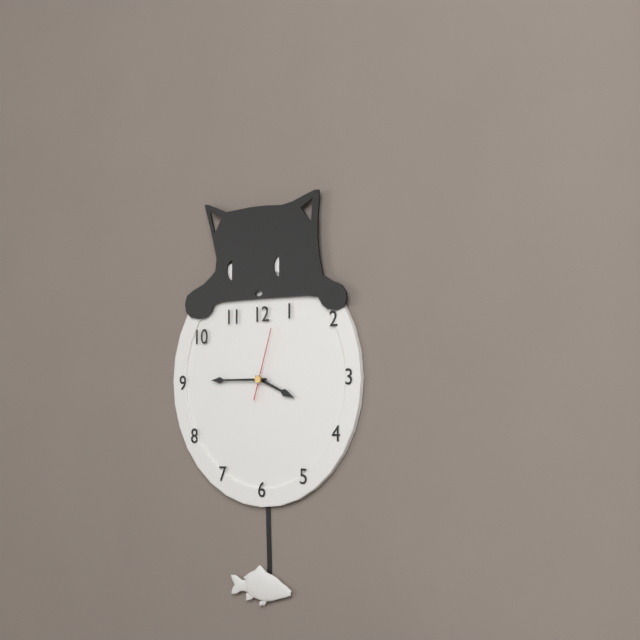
3:45:03
